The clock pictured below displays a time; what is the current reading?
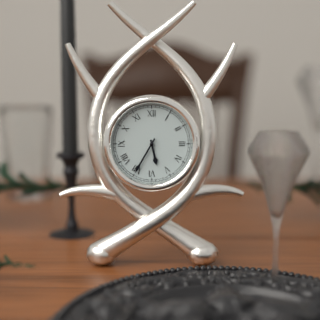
5:35
